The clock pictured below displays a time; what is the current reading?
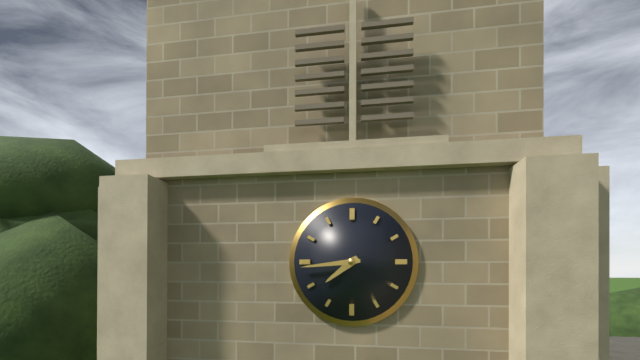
7:44
